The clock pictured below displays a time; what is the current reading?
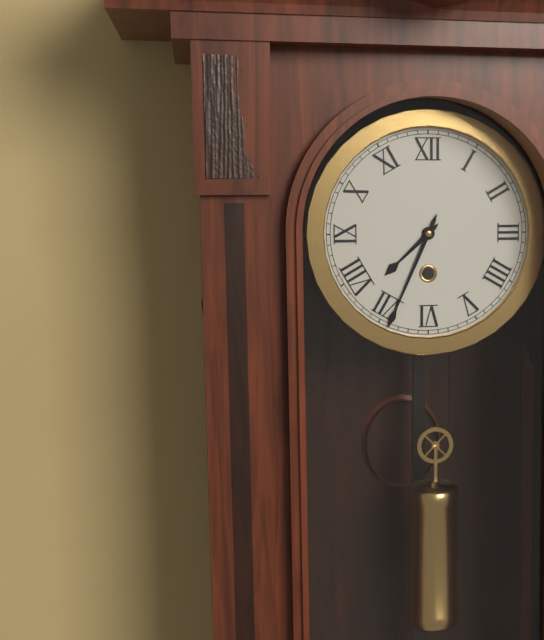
7:34
